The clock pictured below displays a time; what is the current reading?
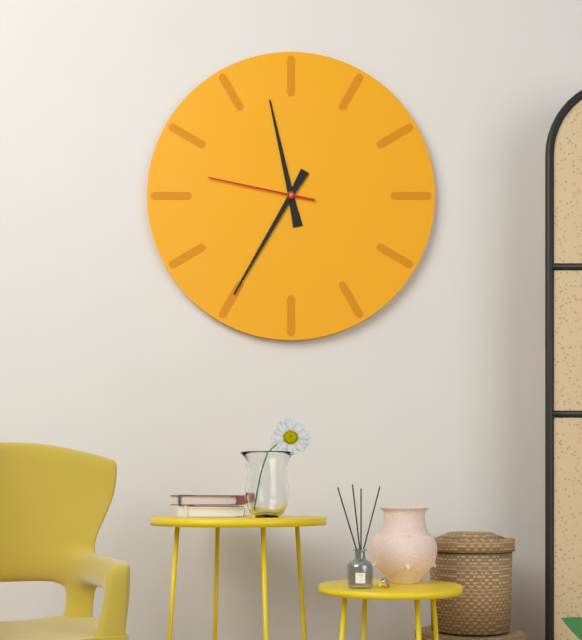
11:35:47
